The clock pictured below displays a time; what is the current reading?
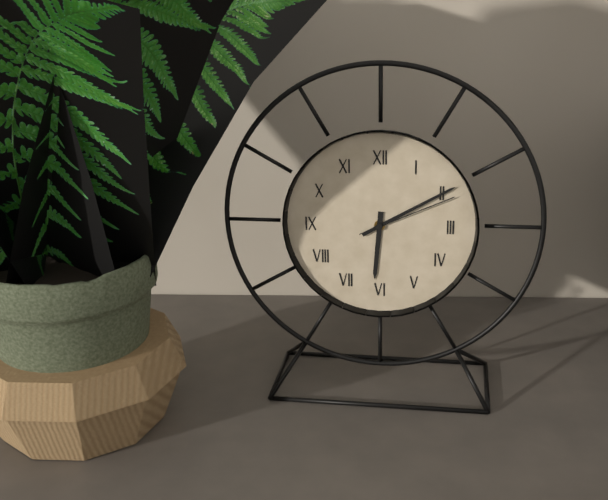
6:10:11
